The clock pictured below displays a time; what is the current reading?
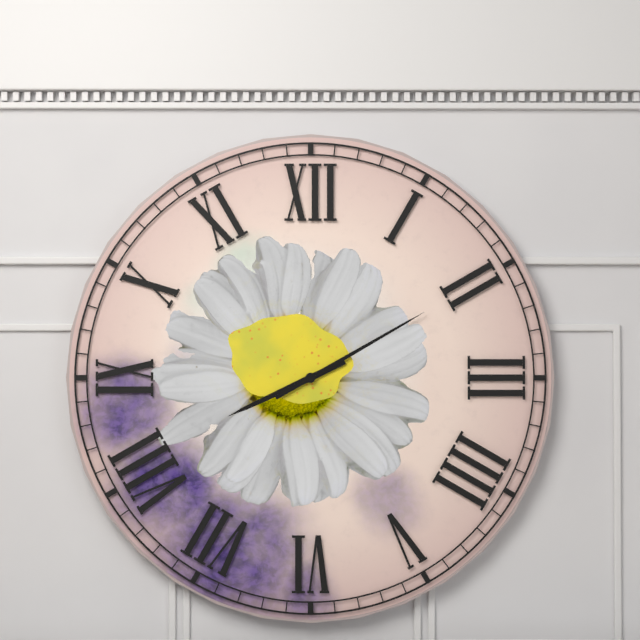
8:10
